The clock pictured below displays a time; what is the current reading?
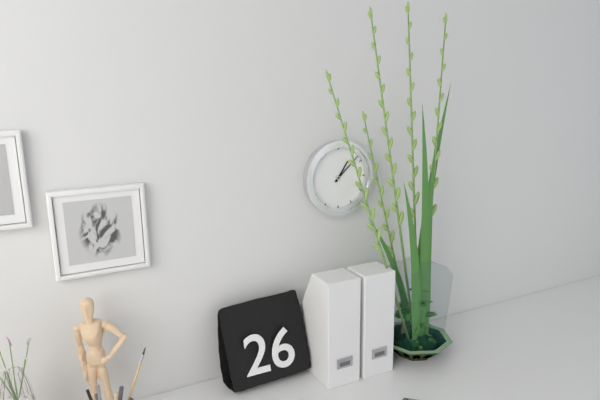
1:08
